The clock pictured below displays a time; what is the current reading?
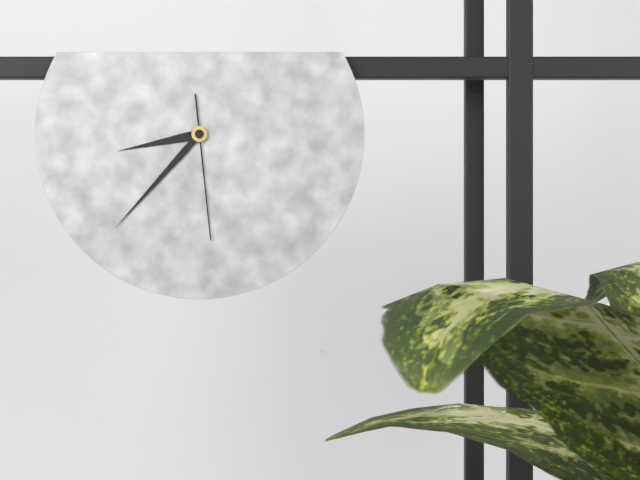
8:37:29
